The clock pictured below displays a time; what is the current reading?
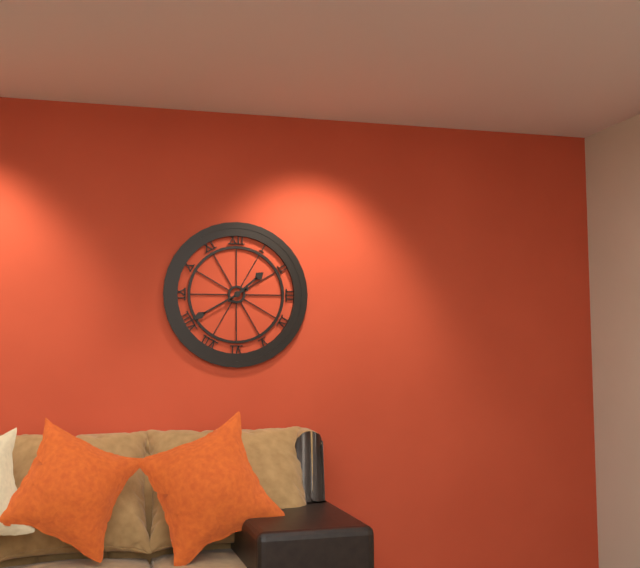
1:40
